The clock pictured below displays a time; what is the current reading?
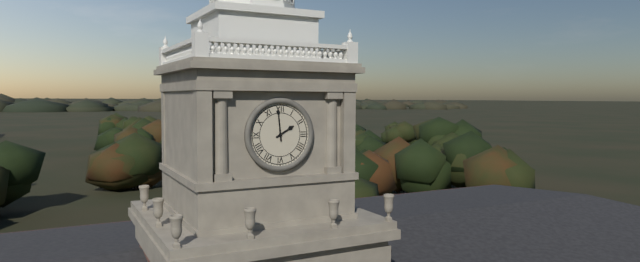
1:59
